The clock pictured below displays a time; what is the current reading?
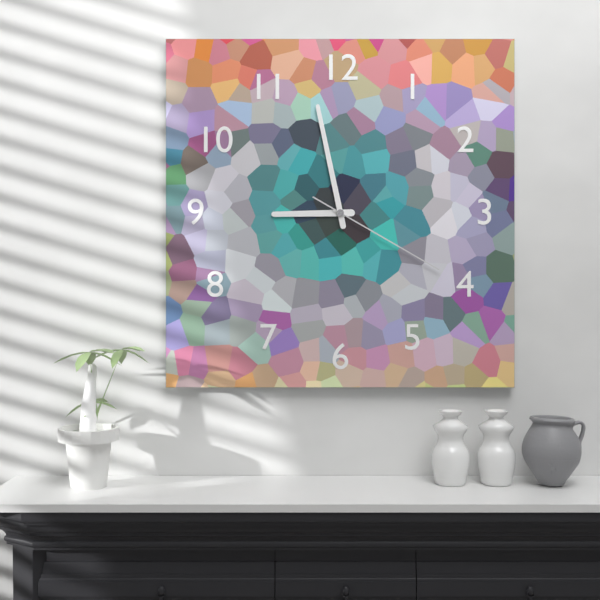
8:58:20
